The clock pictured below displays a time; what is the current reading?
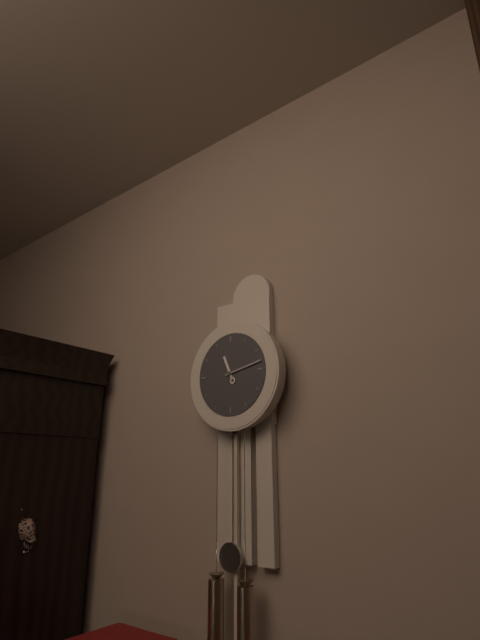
11:13
